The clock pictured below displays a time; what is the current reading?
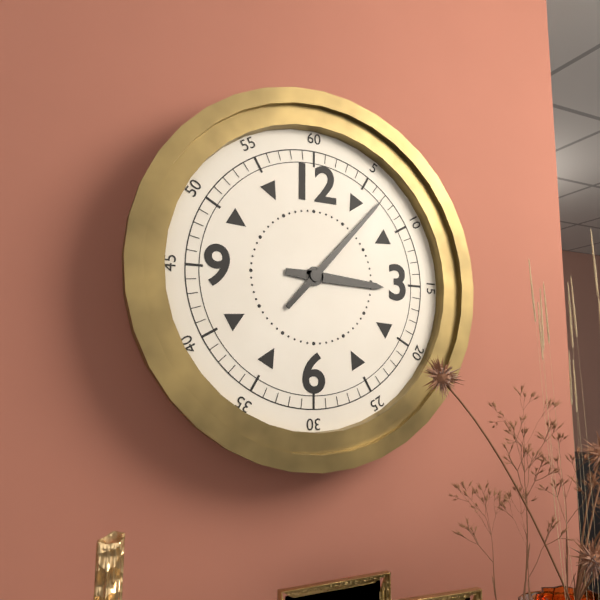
3:07
